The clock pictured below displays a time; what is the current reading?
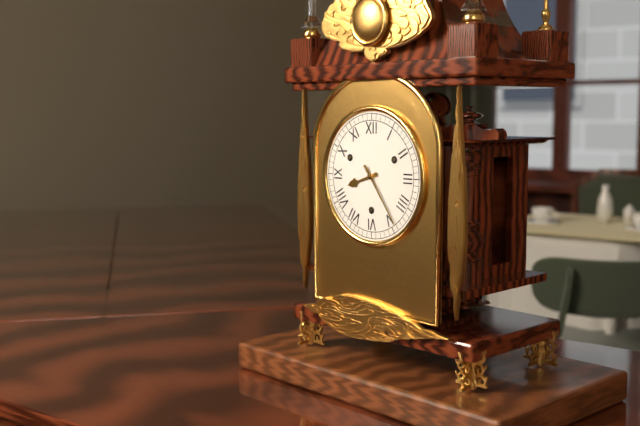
8:24
